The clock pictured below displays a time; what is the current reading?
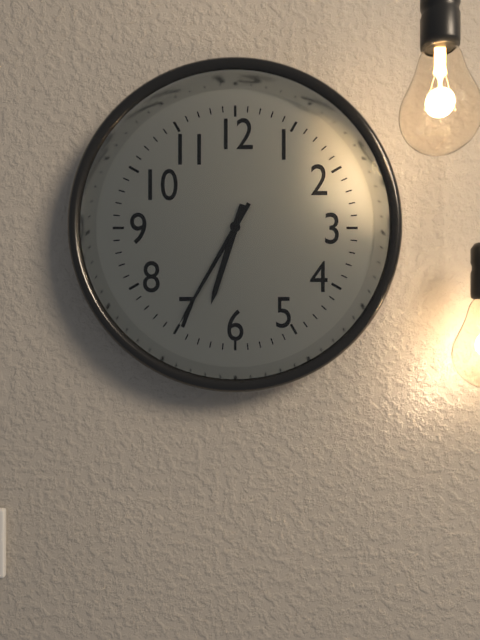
6:35
